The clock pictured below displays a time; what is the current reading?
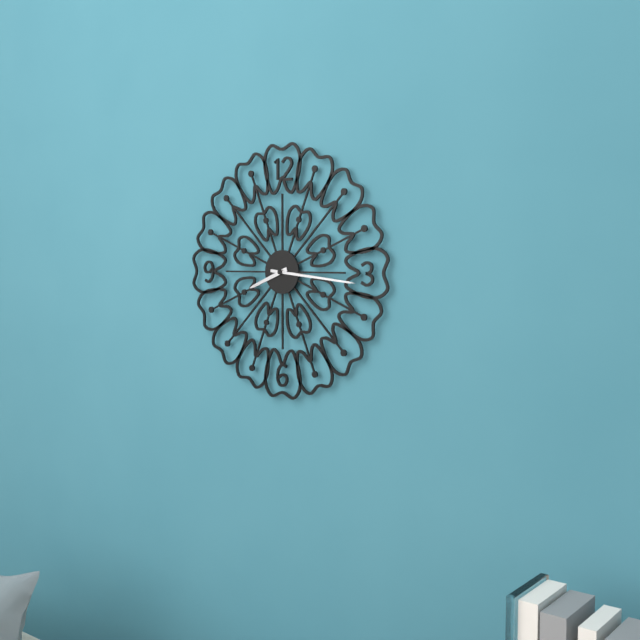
8:16
